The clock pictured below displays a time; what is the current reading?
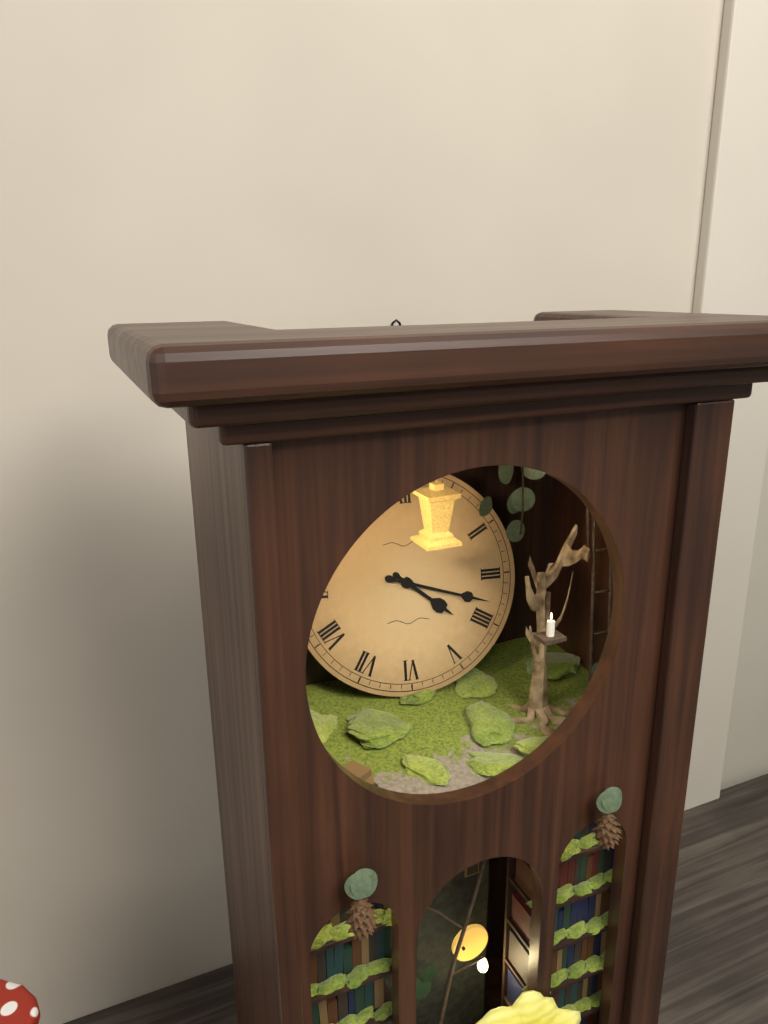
4:18
